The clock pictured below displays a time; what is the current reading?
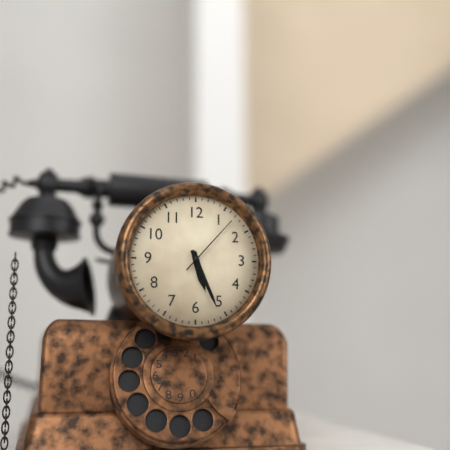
5:26:07
